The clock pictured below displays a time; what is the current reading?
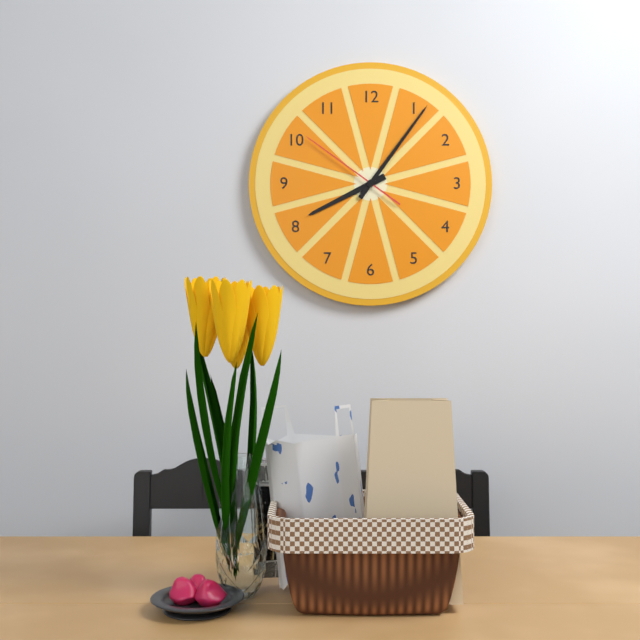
8:06:51
